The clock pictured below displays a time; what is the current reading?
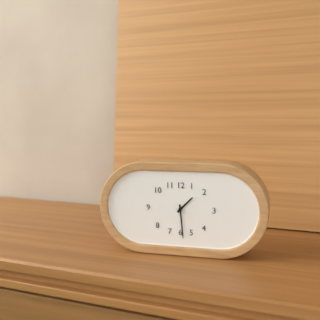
1:29
